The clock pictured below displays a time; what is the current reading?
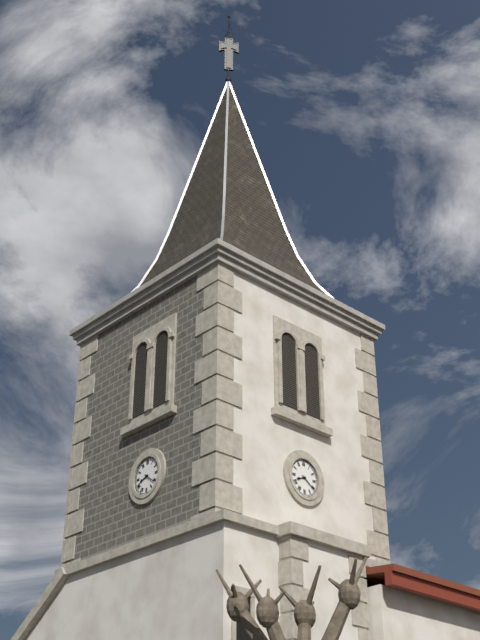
8:21
